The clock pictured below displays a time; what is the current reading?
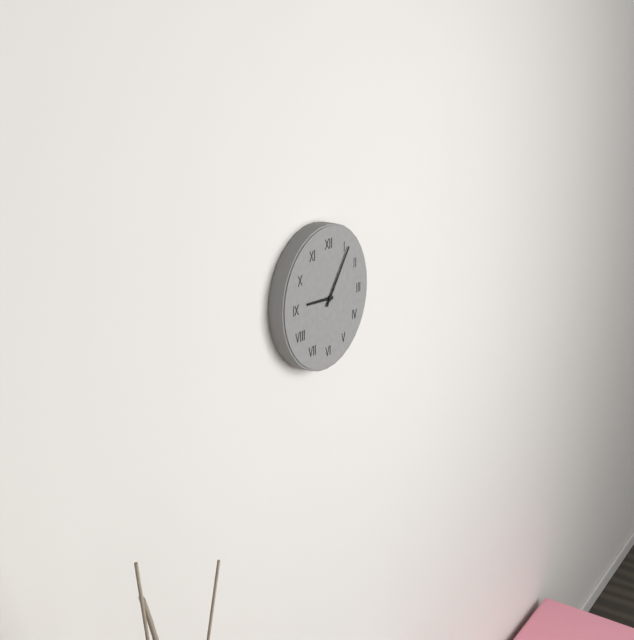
9:06
